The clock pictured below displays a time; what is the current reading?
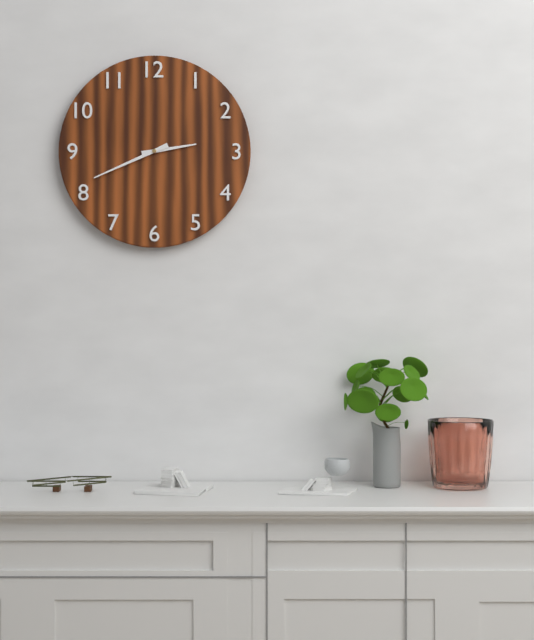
2:41
